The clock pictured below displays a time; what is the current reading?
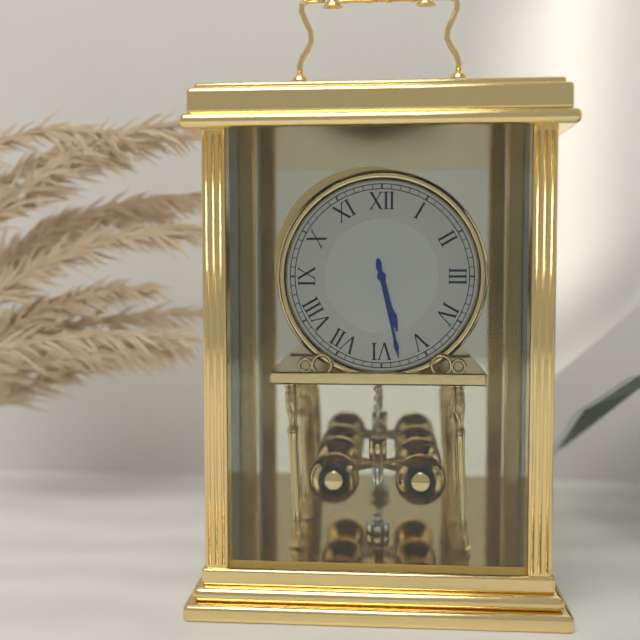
5:28
